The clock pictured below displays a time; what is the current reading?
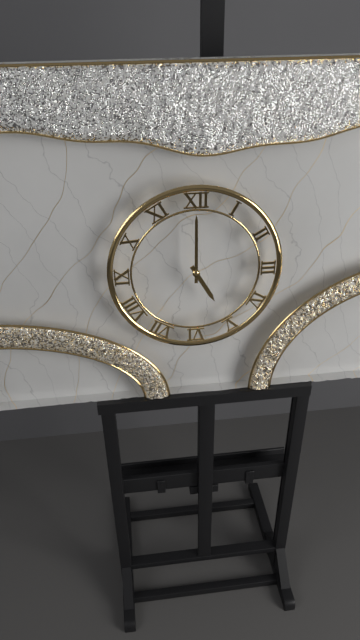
5:00
